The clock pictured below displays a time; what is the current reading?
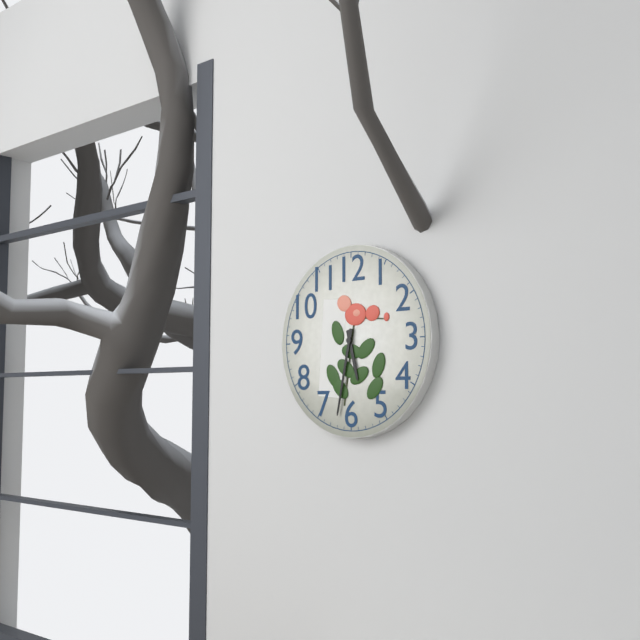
5:32
